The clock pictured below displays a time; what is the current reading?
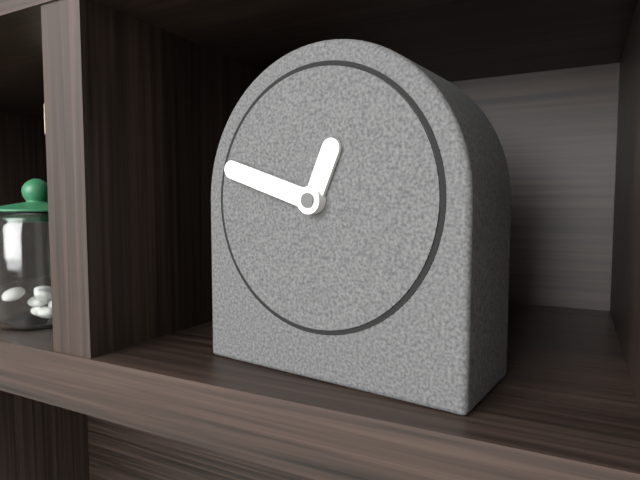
12:48
